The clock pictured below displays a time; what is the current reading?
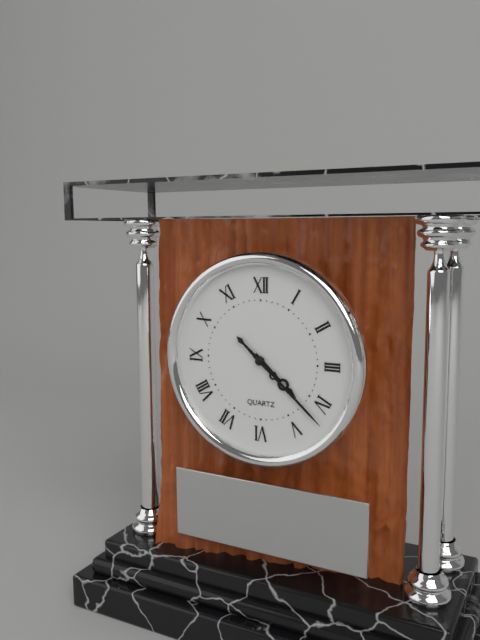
4:22
